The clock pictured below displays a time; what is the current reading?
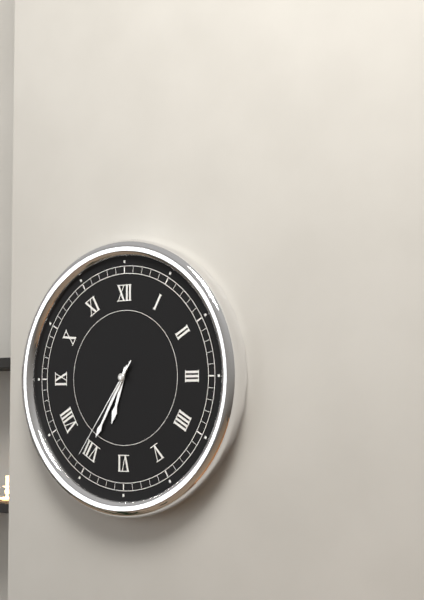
6:35:36
